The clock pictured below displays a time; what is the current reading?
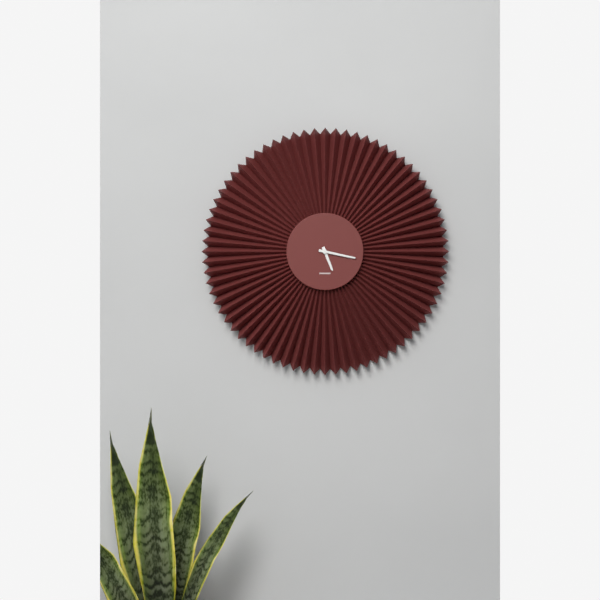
5:17
